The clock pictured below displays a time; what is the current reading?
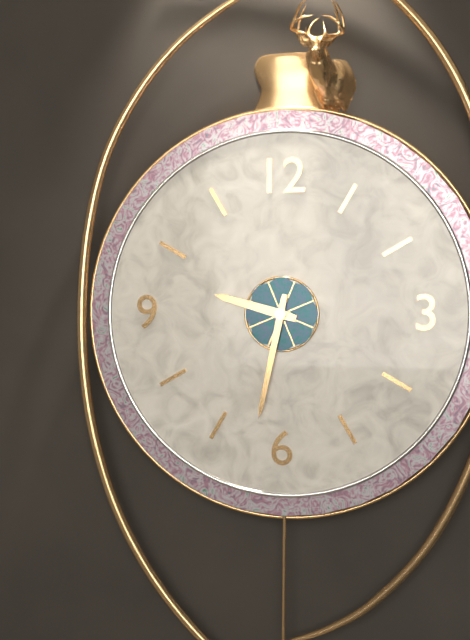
9:32
